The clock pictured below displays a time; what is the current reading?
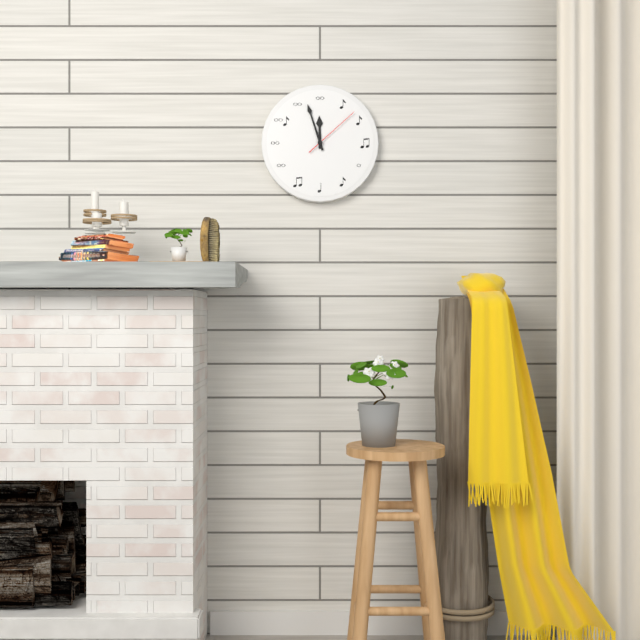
11:57:08
